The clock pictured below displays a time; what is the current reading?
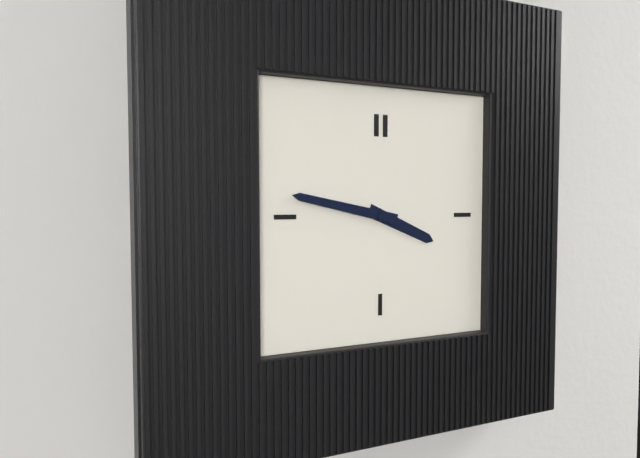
3:47
